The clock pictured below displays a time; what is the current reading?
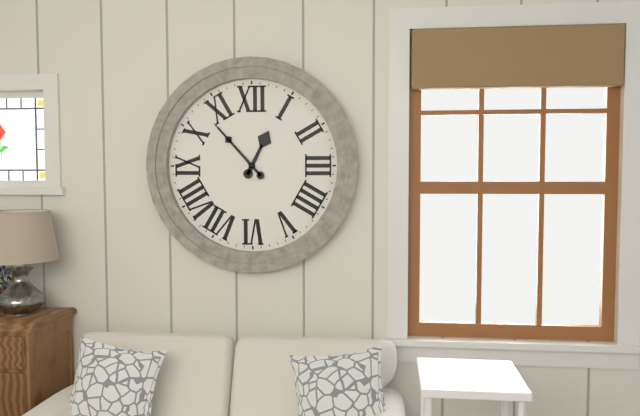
12:53
